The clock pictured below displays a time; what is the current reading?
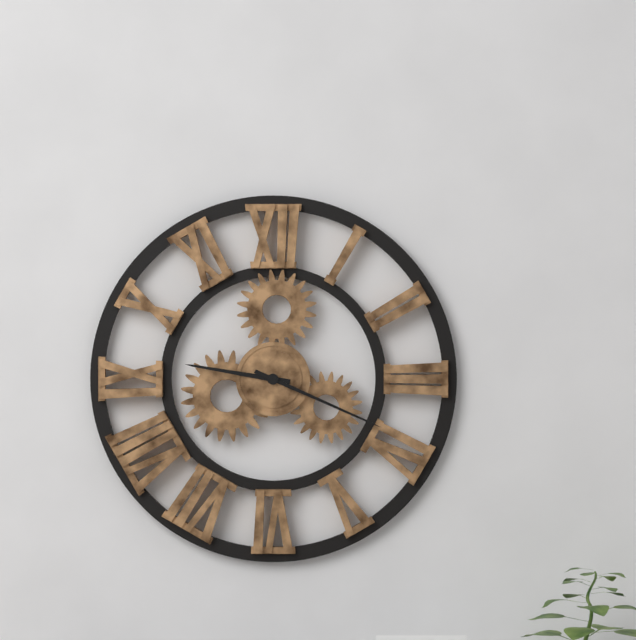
9:19
